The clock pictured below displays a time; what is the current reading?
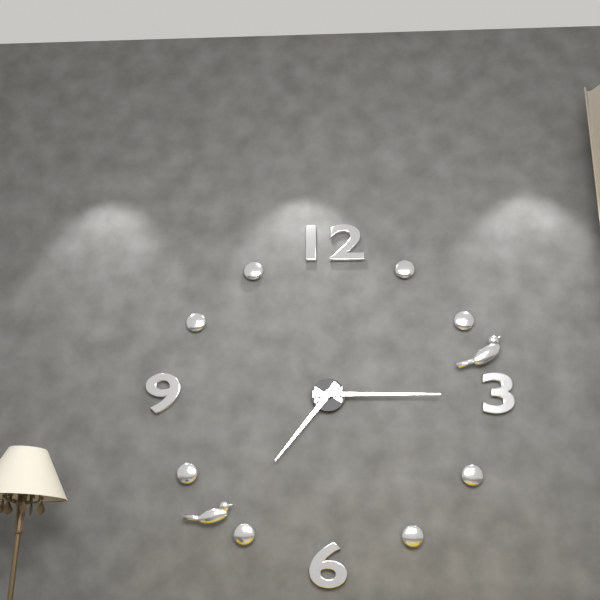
7:15
